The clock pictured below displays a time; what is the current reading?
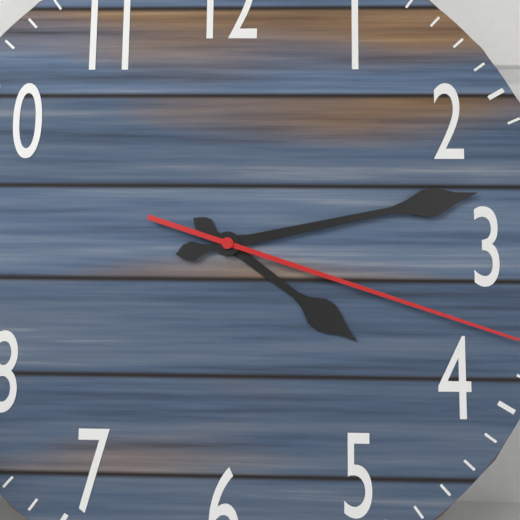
4:13
